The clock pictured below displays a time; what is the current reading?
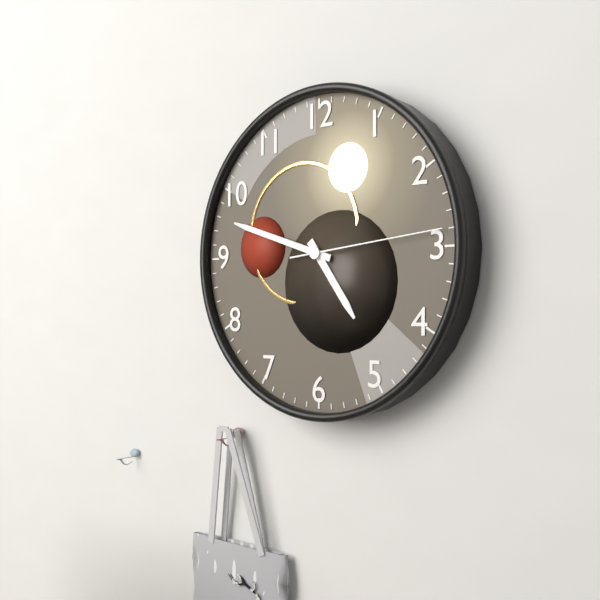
4:48:14
